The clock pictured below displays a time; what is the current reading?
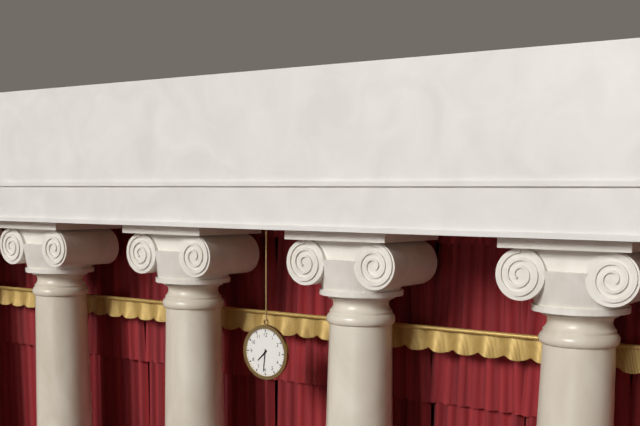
7:31
